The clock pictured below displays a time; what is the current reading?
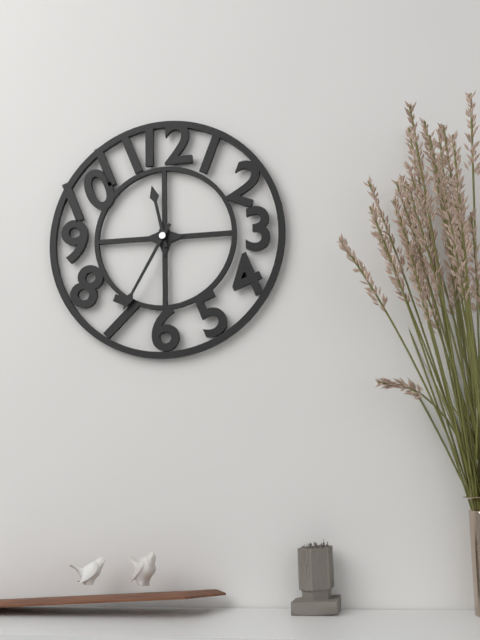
11:35
